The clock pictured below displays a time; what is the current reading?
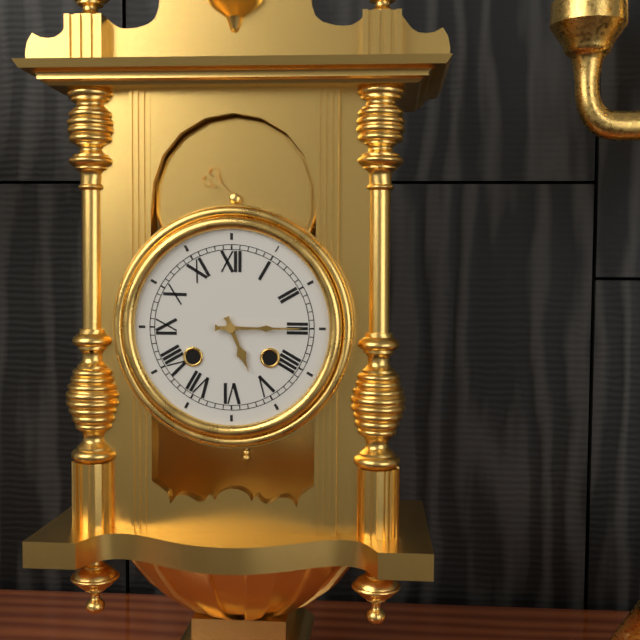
5:15
